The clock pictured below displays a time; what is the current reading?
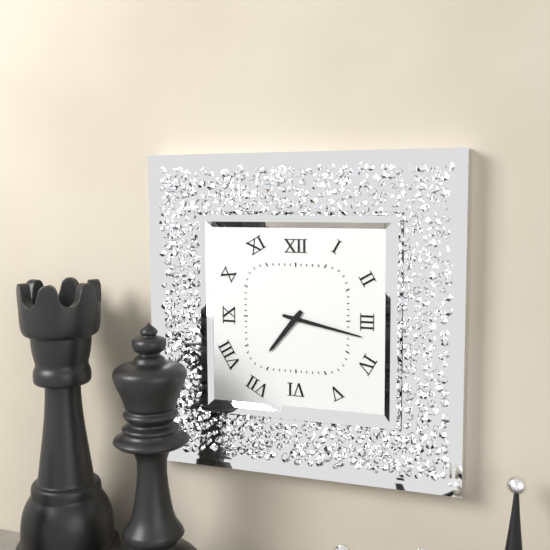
7:17
